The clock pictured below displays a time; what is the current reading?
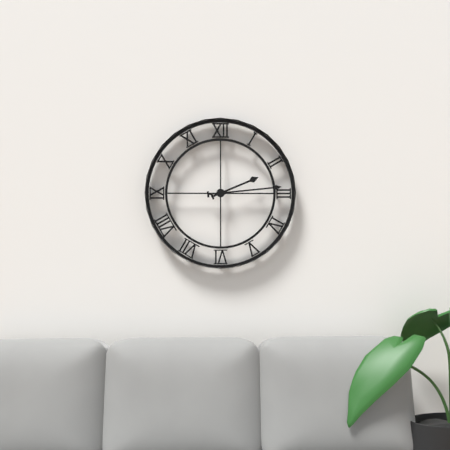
2:14
